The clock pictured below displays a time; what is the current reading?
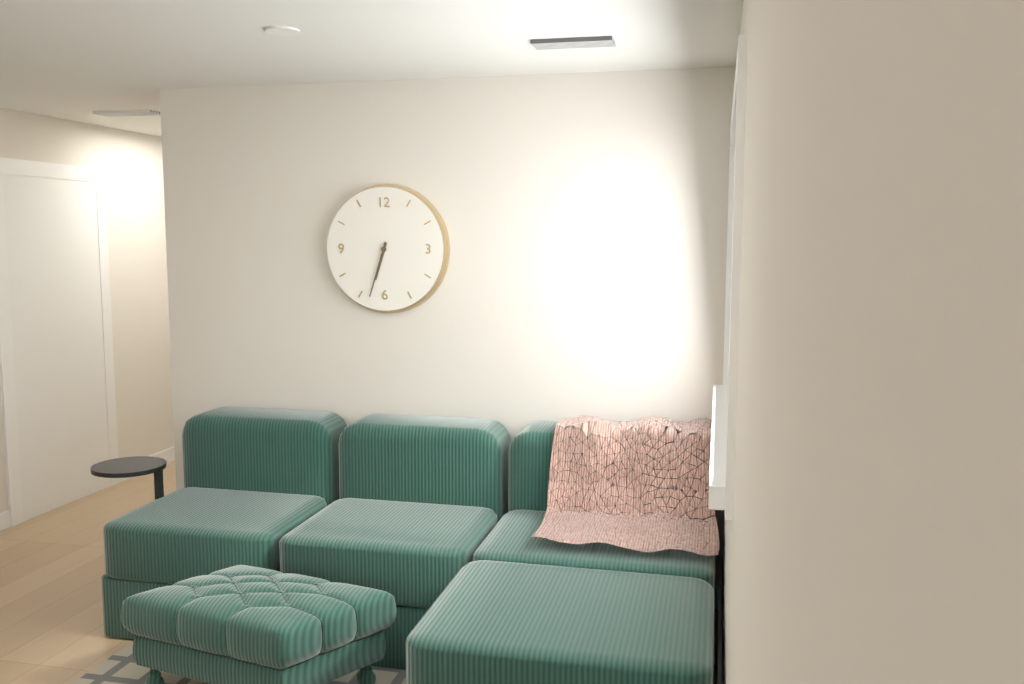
6:33
